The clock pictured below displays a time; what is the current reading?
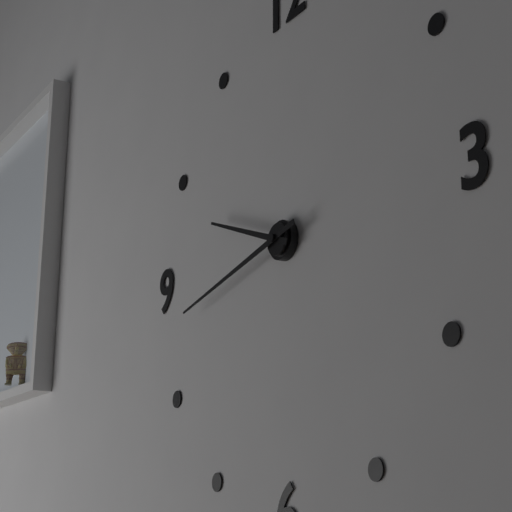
9:43
